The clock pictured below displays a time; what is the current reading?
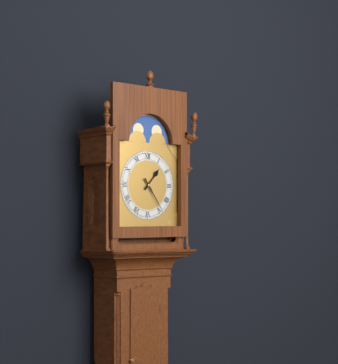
1:24
